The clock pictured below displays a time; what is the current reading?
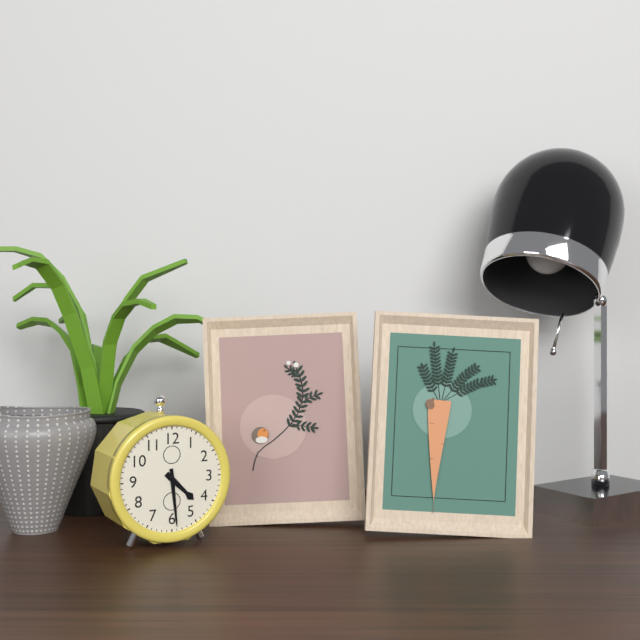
4:29
